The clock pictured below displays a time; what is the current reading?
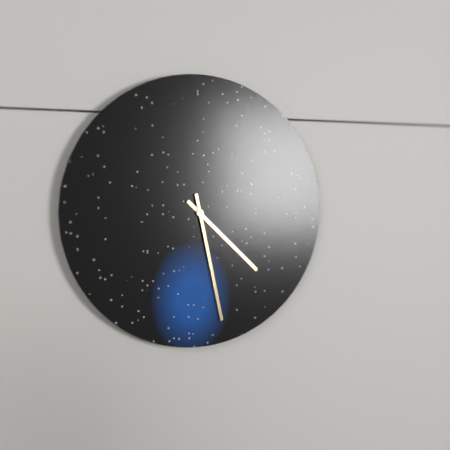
4:28
